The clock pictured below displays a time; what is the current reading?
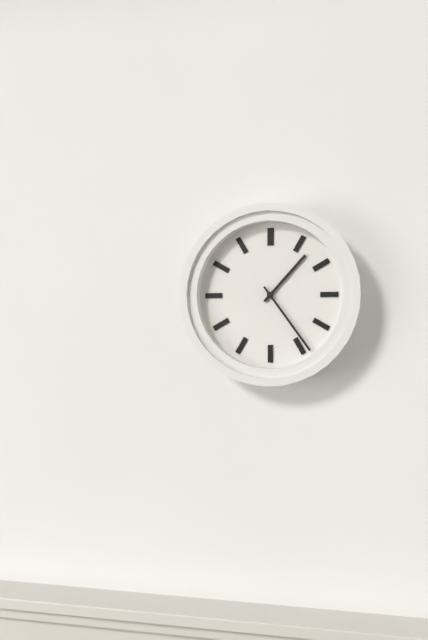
1:24
